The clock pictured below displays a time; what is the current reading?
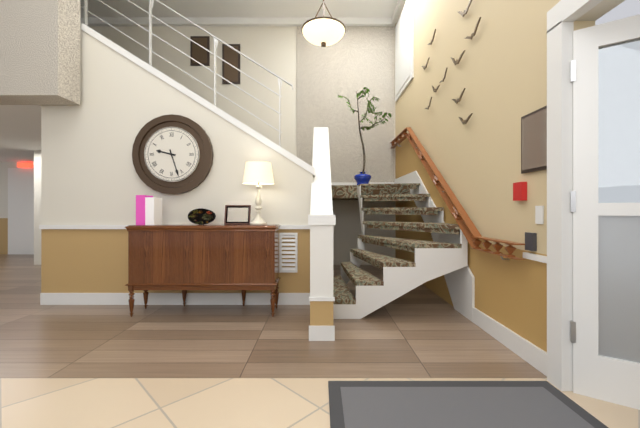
9:27
